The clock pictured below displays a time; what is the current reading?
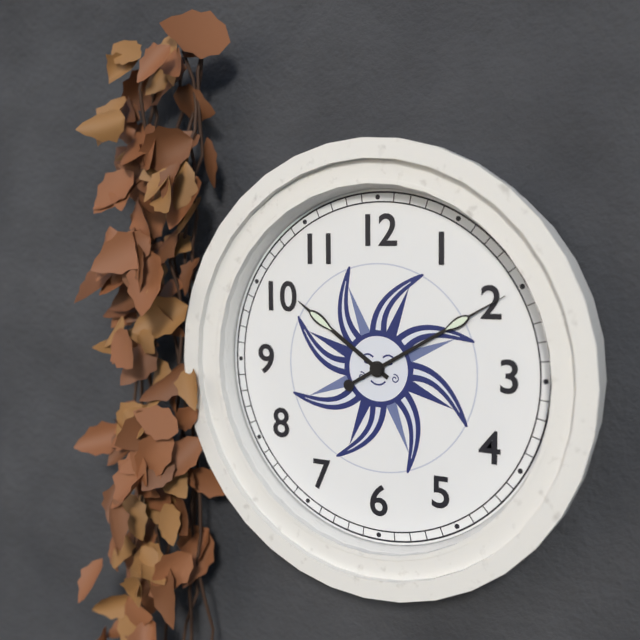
10:10
